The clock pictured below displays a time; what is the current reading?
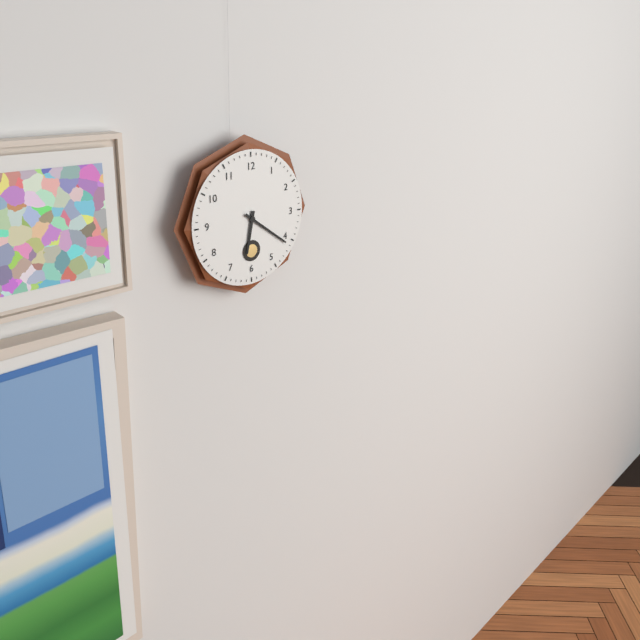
6:21
